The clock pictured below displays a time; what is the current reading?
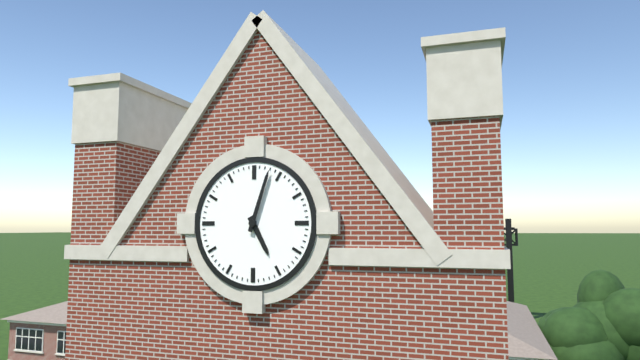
5:03
